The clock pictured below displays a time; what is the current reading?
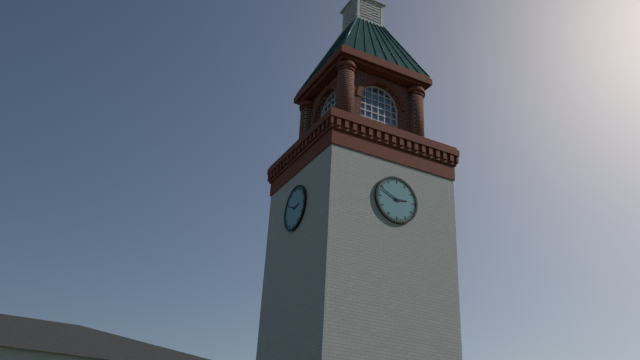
2:49
